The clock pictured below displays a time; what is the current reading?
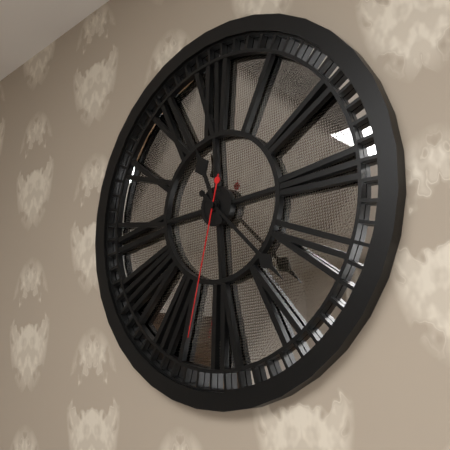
11:23:33
